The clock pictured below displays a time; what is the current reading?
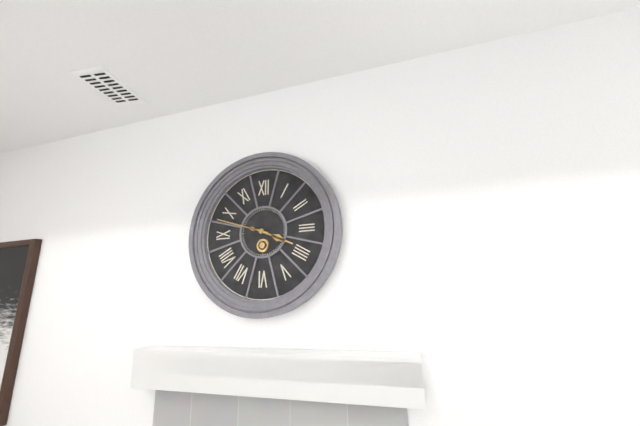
3:48
